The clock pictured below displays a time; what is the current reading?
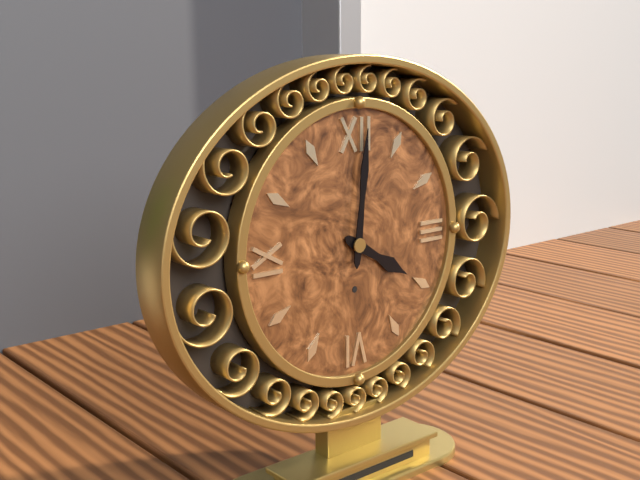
4:01
